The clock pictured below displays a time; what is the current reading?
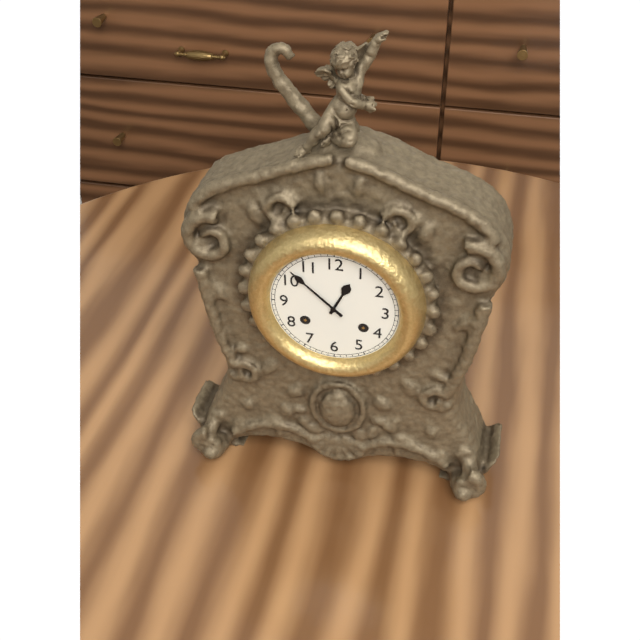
12:52
